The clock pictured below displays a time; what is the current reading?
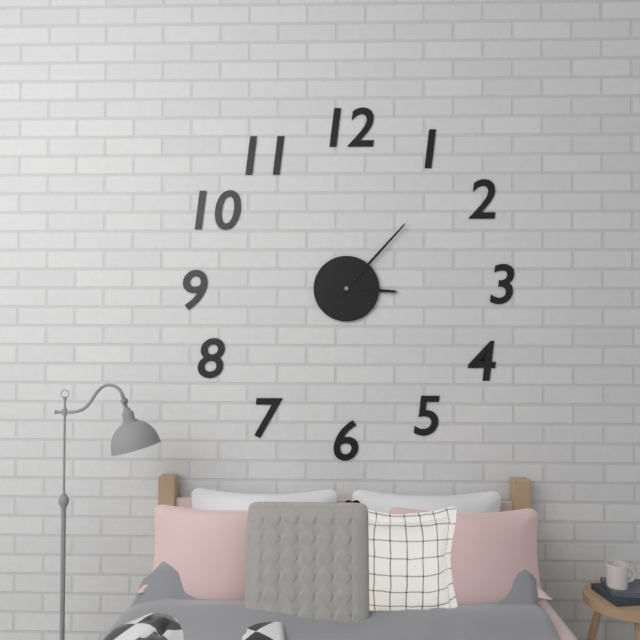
3:07
